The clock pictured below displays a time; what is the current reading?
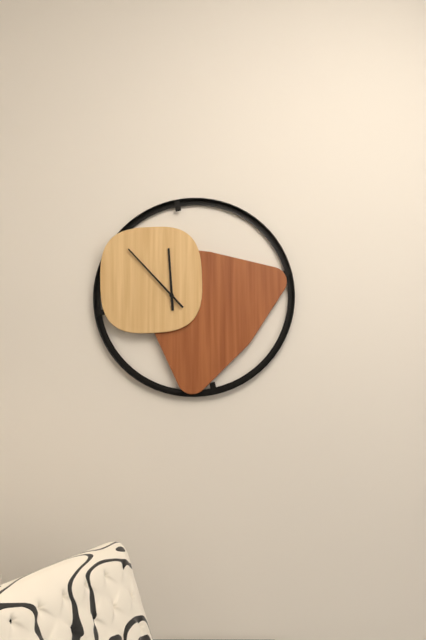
11:53
